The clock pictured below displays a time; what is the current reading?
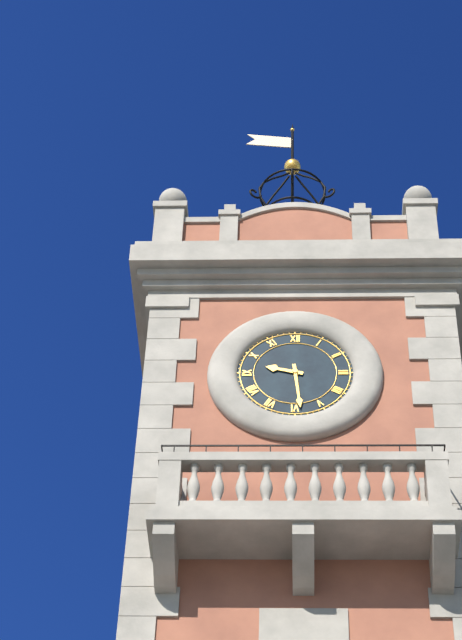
9:29
